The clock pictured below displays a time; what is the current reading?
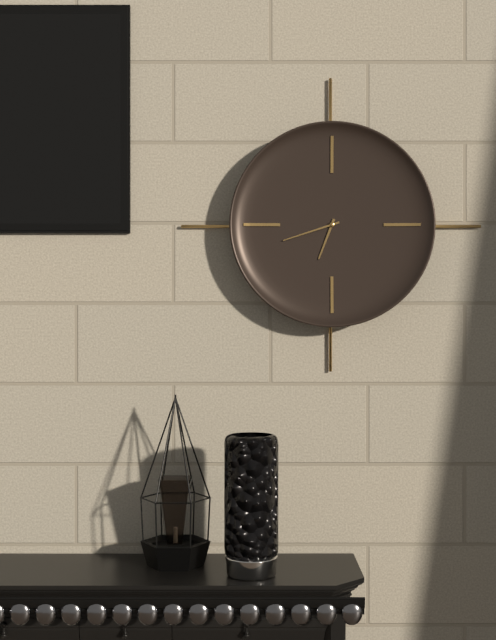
6:42
